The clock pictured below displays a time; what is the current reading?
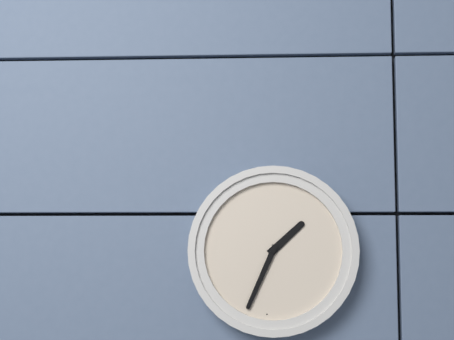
1:34
